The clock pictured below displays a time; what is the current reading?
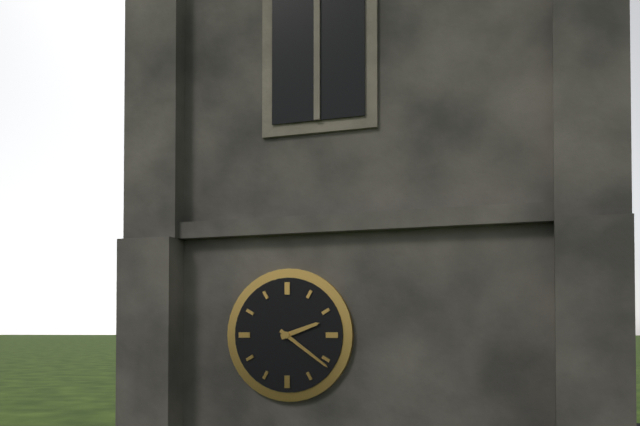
2:21
